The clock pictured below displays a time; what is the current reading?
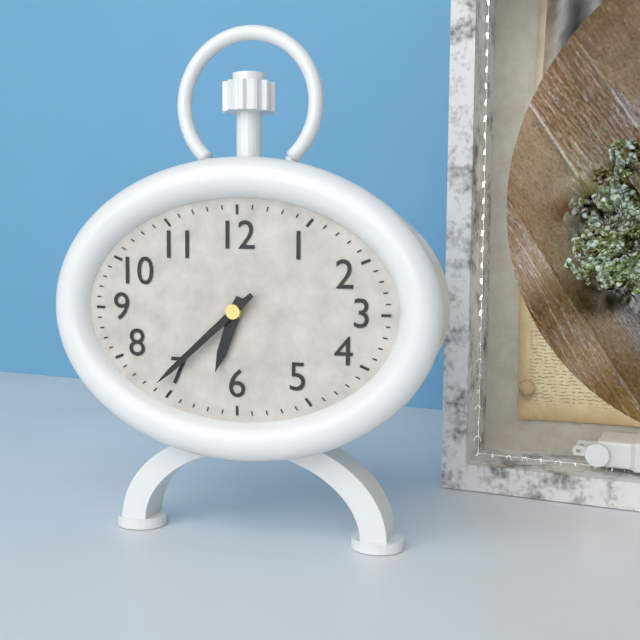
6:38
